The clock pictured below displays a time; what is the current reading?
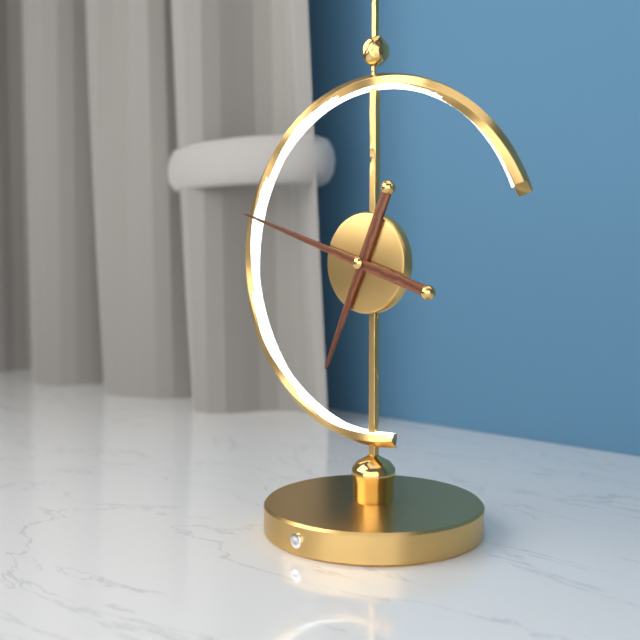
6:48
